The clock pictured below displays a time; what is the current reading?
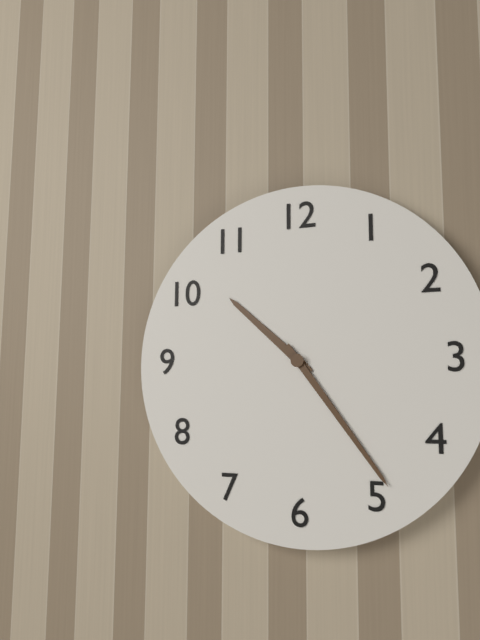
10:24
